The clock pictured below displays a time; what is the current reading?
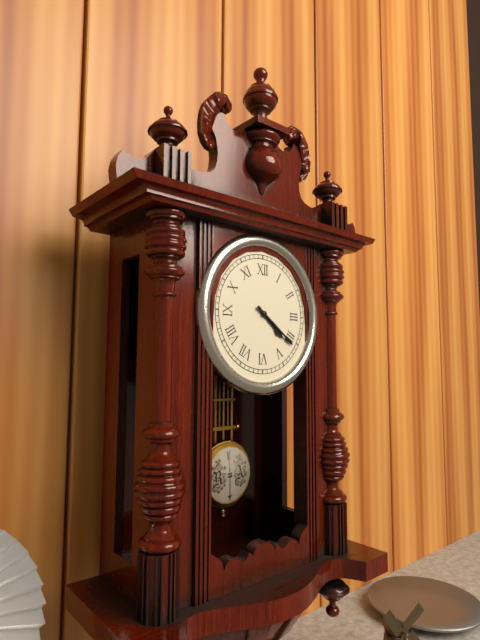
4:21
